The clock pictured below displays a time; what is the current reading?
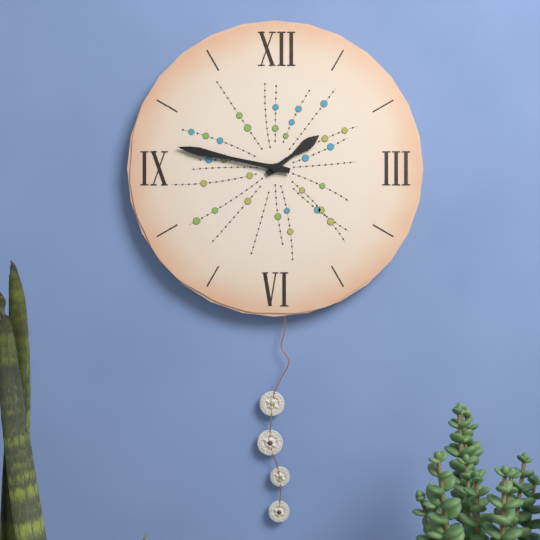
1:47
